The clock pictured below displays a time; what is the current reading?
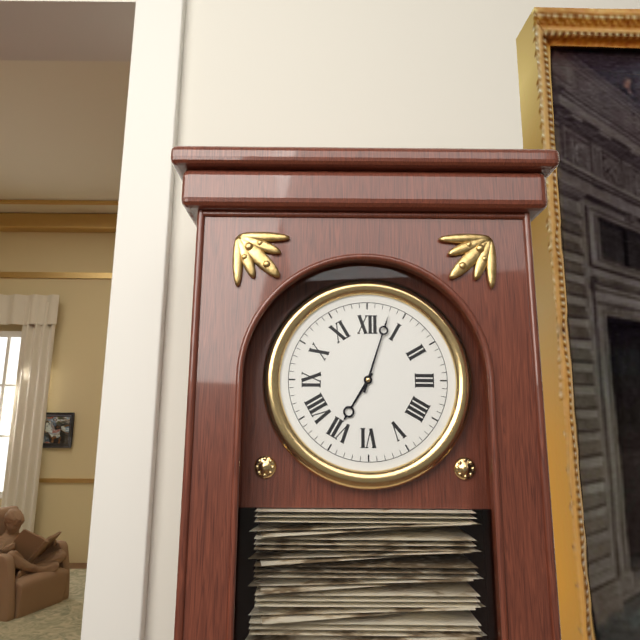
7:03
